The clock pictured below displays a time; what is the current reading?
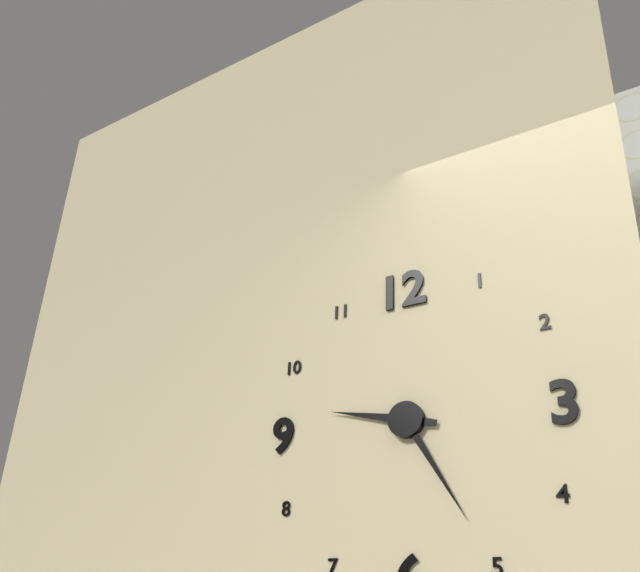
9:25
